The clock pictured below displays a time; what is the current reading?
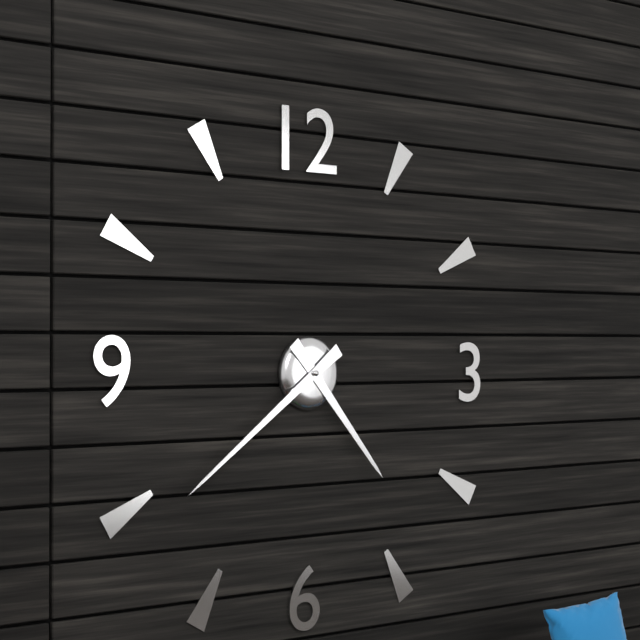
4:39
